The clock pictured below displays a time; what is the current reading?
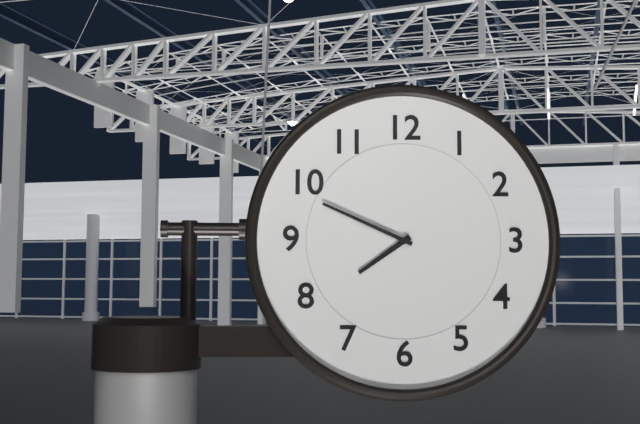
7:49
